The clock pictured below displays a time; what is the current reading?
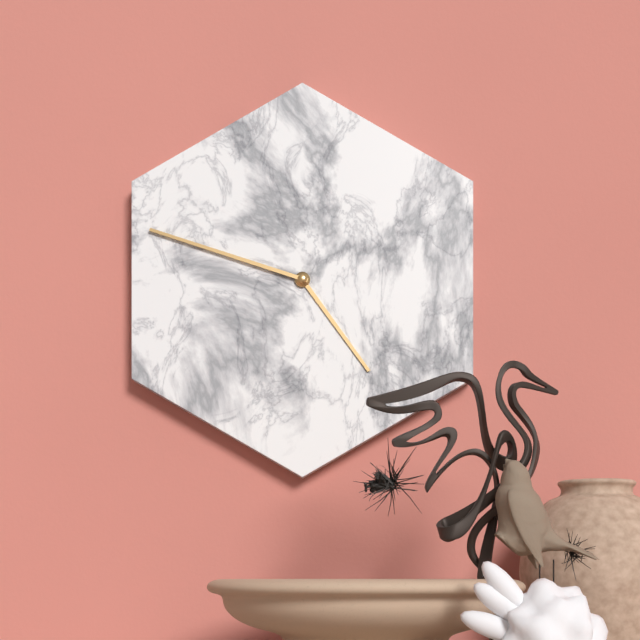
4:48
